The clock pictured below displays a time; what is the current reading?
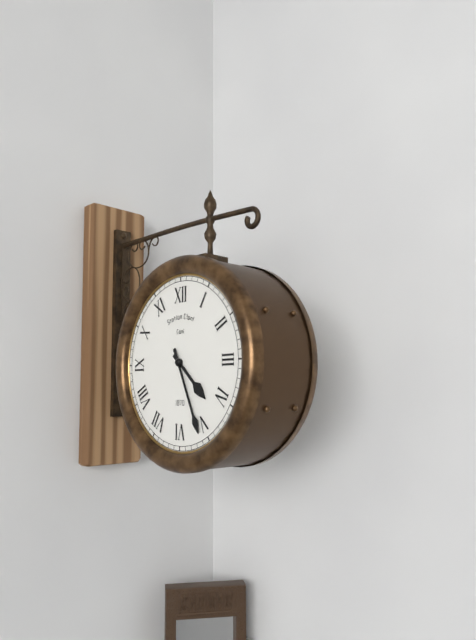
4:26
